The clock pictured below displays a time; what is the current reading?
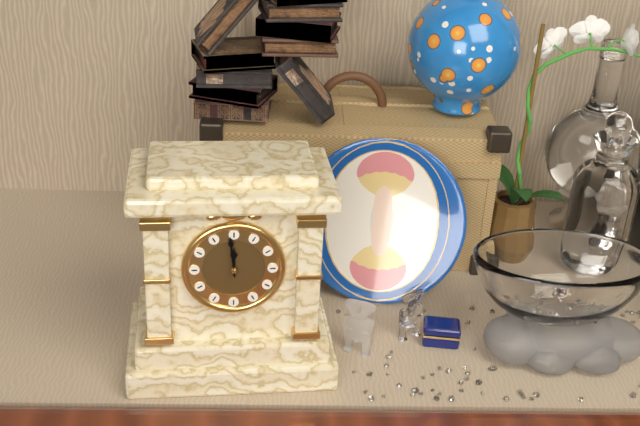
11:59
